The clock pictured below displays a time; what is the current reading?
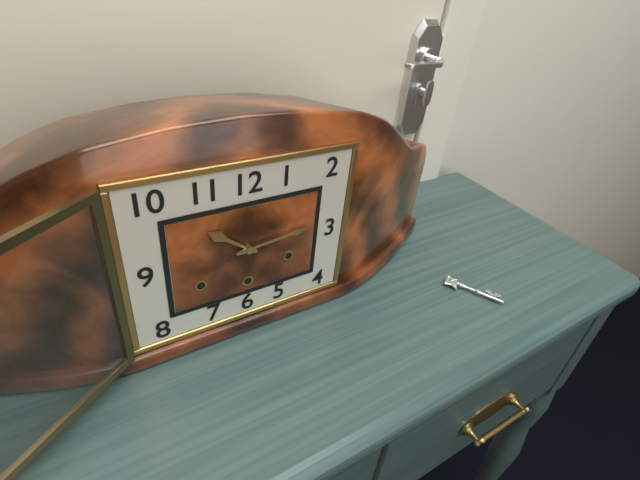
10:14
